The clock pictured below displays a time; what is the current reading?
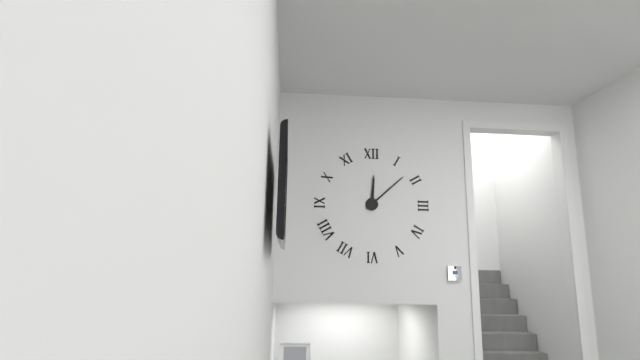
12:08
